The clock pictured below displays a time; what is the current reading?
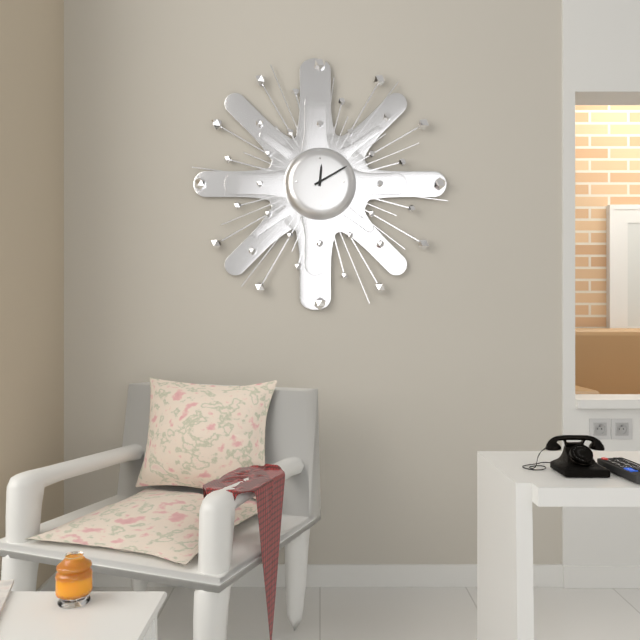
12:10
